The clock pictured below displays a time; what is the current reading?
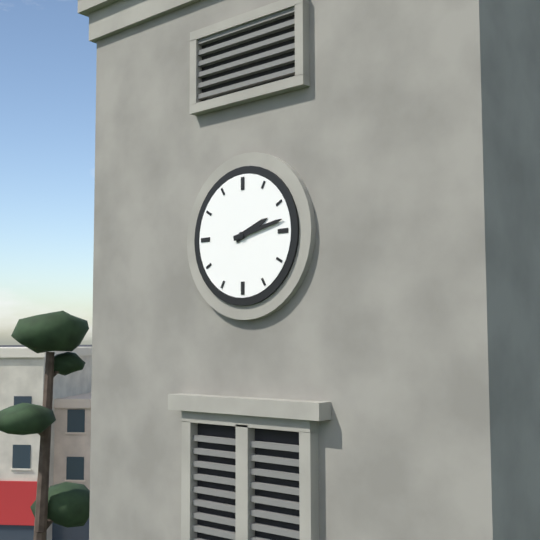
2:13
